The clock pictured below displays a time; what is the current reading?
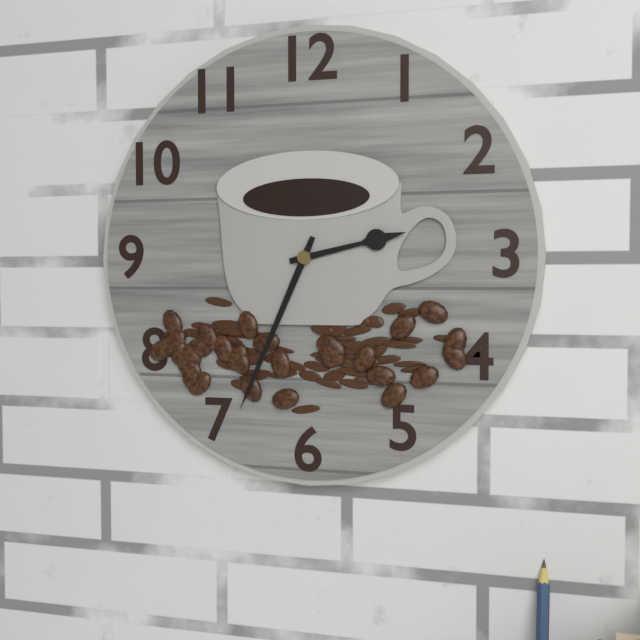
2:34
